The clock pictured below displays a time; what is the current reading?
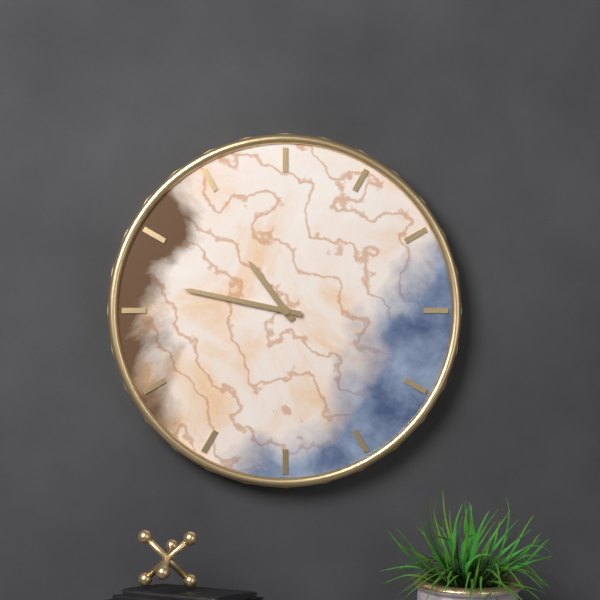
10:47
